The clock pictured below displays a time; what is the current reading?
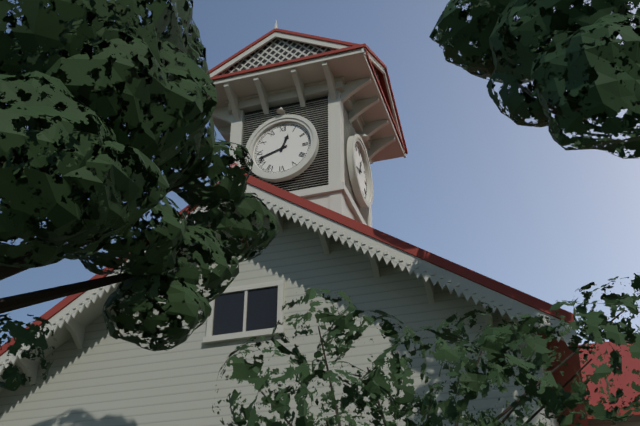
12:42
